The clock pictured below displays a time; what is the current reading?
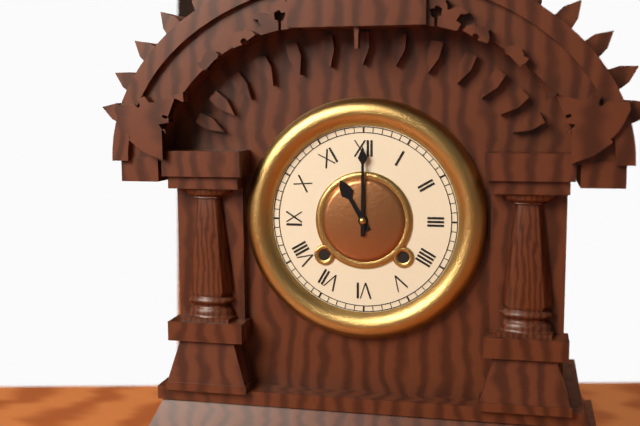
11:00
